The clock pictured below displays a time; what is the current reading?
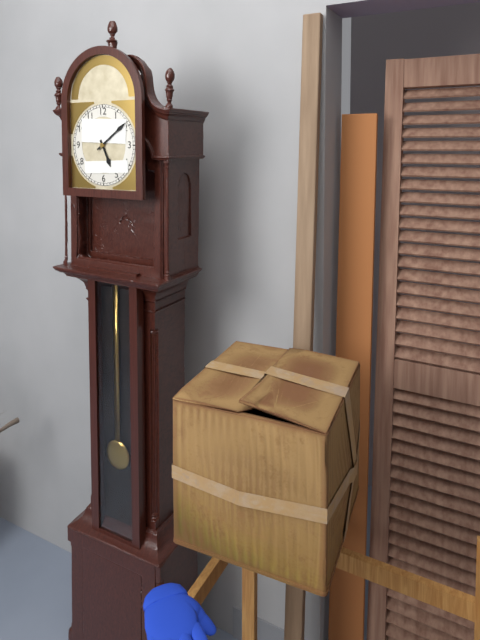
5:09
